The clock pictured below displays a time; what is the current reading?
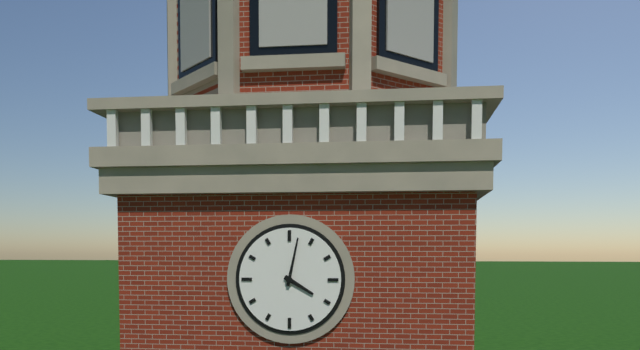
4:02
